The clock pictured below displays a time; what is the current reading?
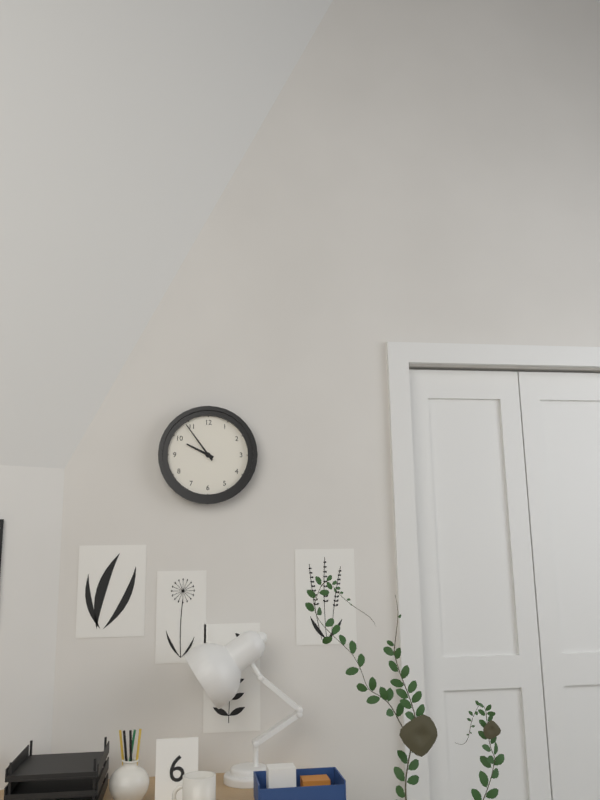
9:54
